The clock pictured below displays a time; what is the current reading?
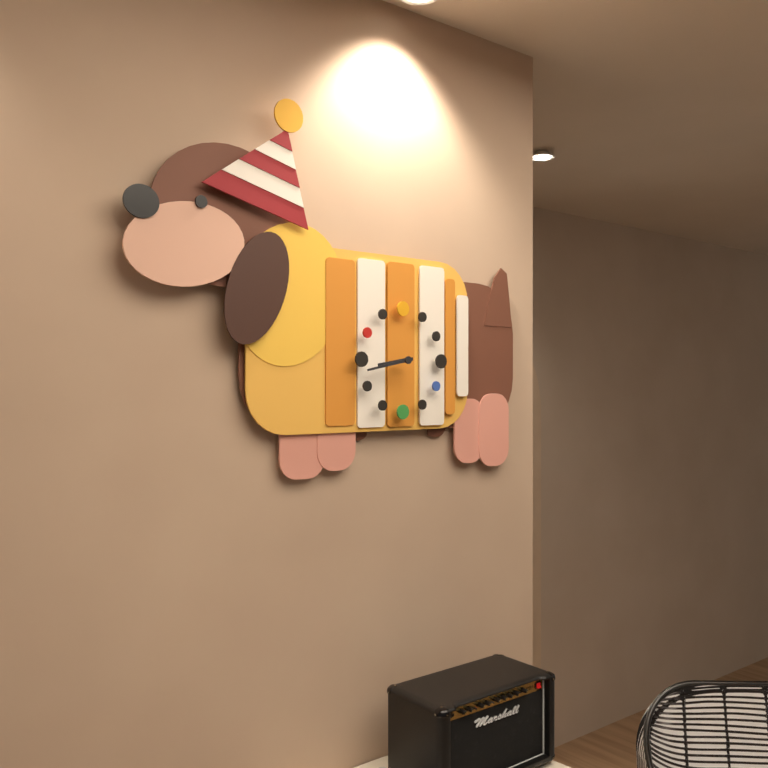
8:43
